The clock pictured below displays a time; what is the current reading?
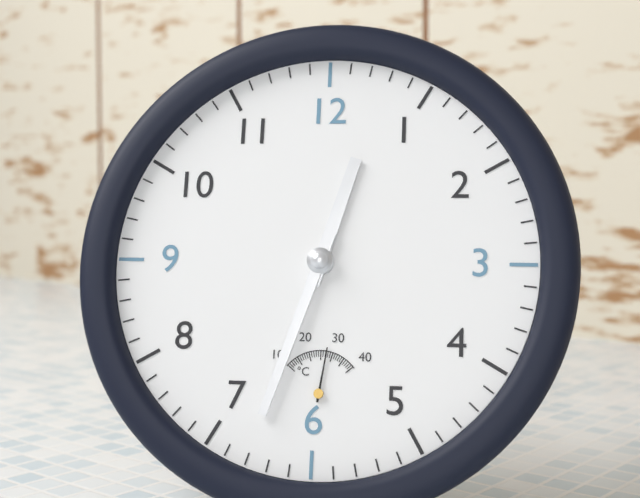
12:33
